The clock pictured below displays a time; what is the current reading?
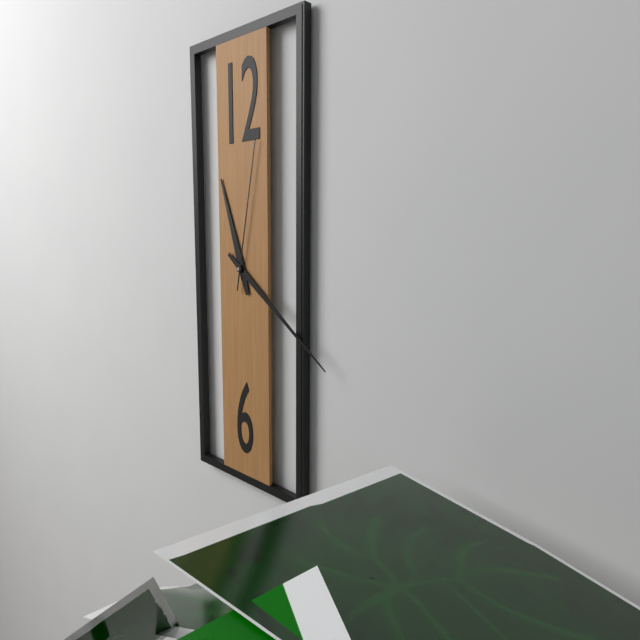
11:21:02
